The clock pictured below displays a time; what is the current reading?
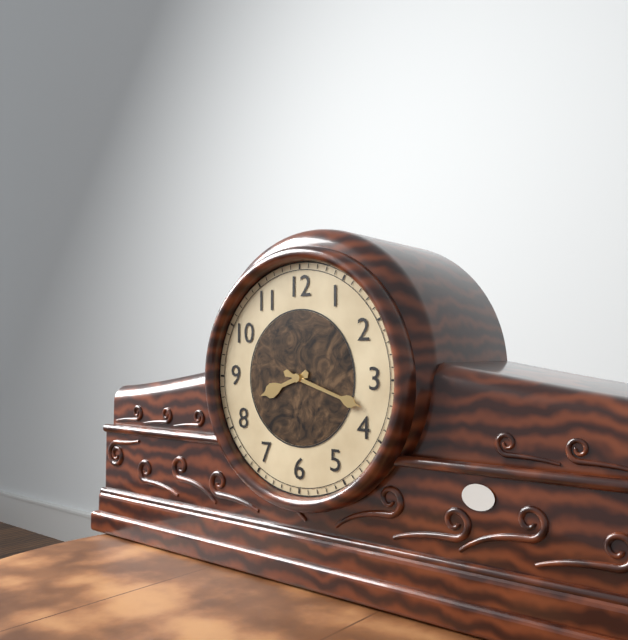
8:18
